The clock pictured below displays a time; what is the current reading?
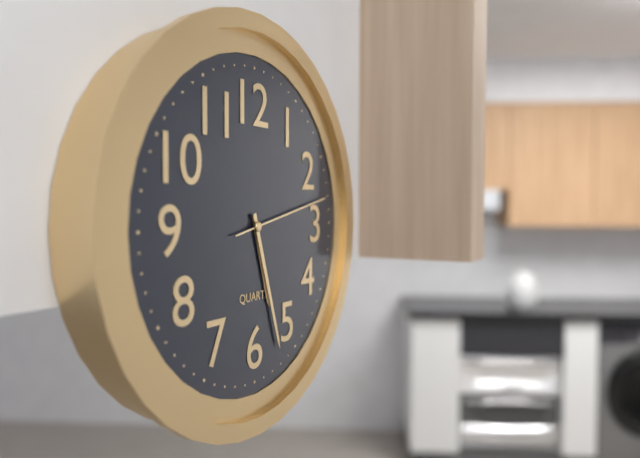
5:27:13
